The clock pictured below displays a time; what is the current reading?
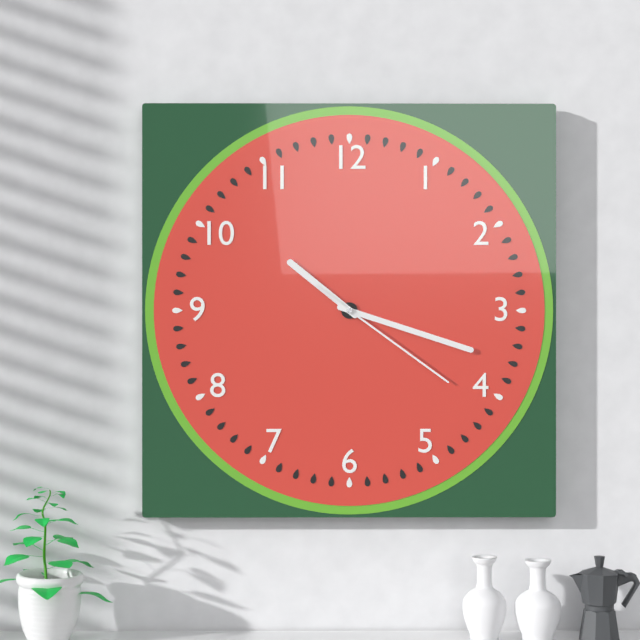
10:18:21
